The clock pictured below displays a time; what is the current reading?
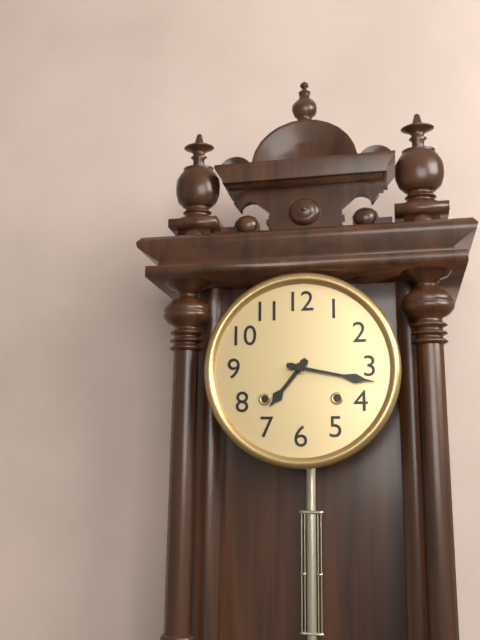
7:17
